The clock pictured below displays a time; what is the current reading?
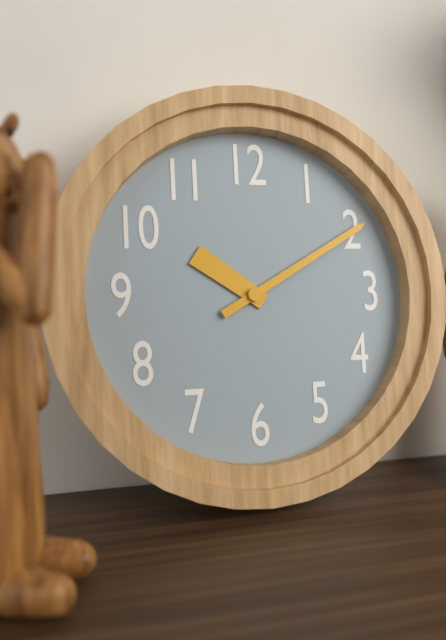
10:10
